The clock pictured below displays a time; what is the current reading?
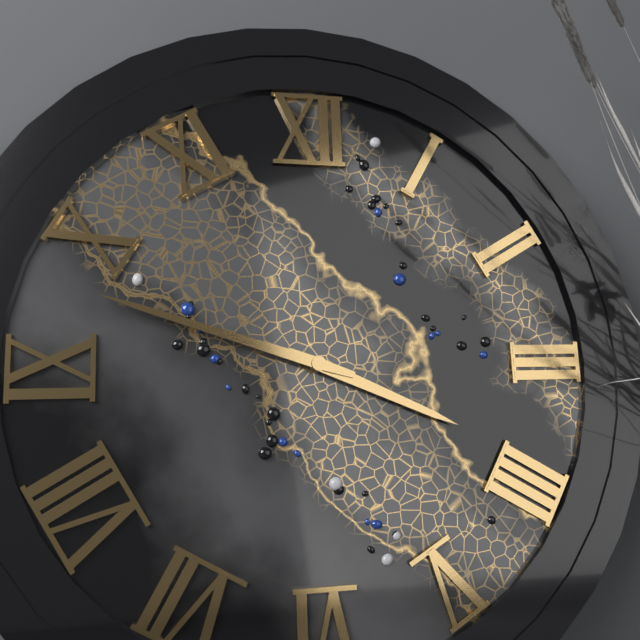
3:48
